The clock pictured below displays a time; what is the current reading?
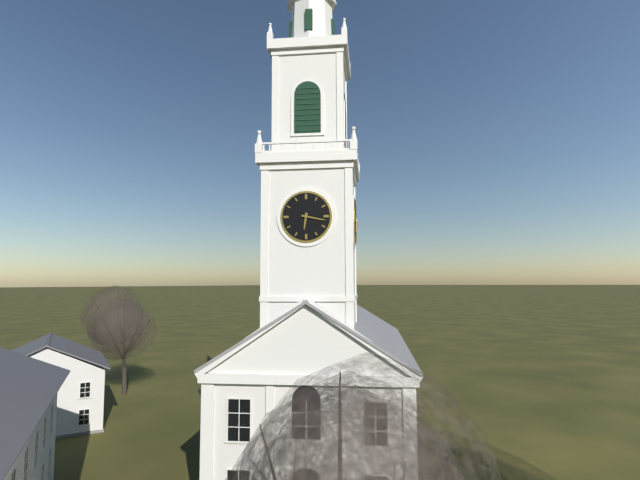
6:17
